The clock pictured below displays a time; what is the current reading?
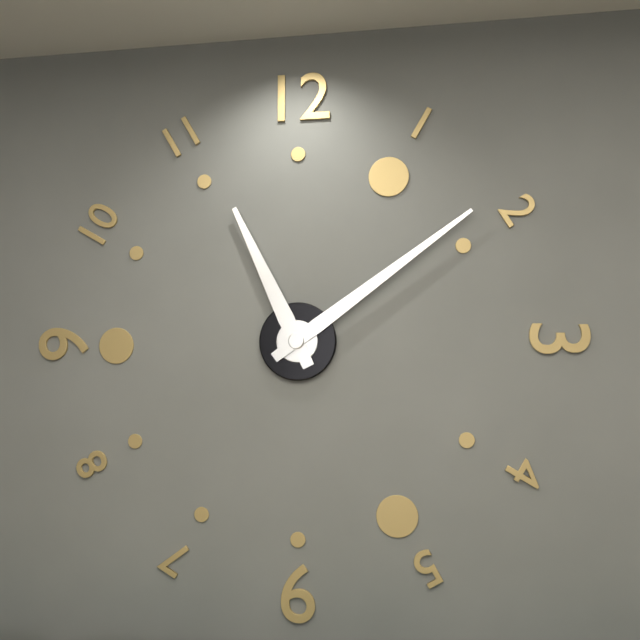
11:09
